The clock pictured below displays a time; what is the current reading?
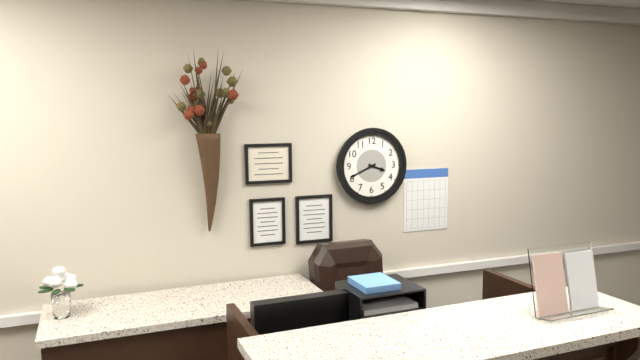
3:41
